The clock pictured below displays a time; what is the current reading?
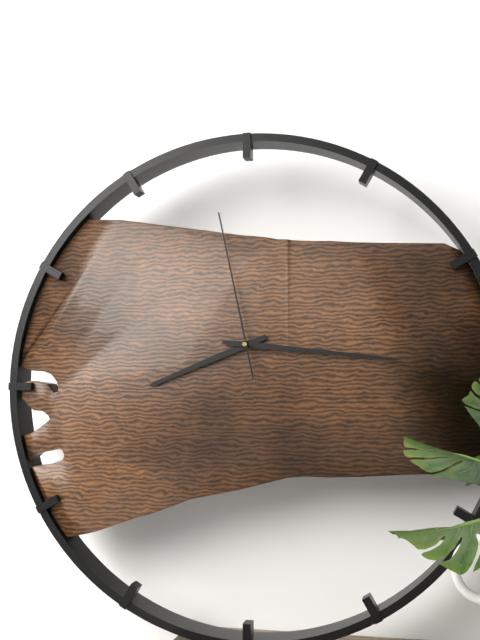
8:16:58
